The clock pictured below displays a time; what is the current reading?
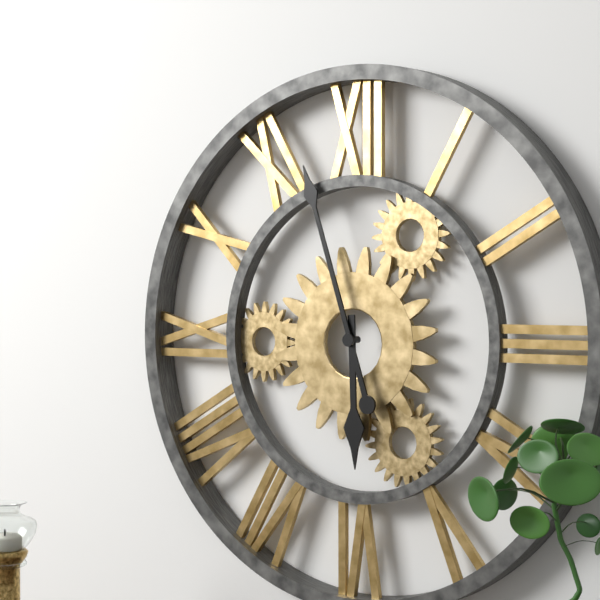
5:57
